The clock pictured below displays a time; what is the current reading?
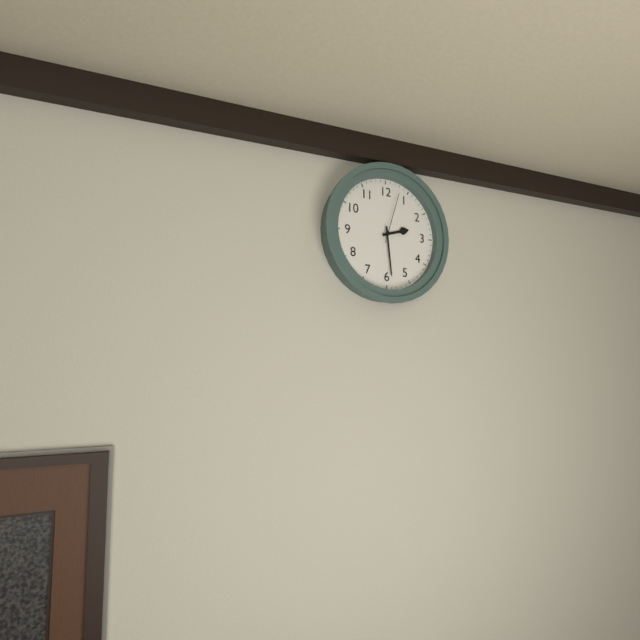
2:29:03
